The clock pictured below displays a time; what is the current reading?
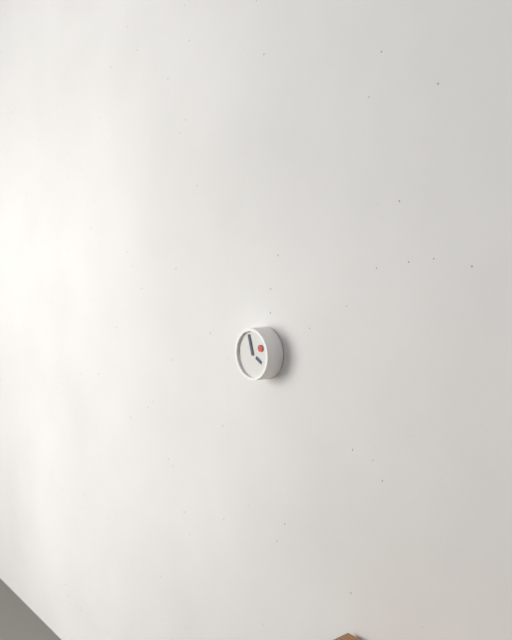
3:57
